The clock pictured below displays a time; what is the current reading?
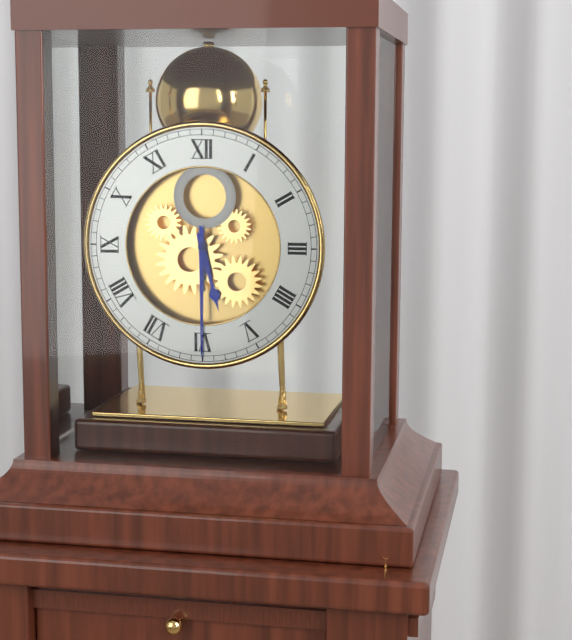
5:30
